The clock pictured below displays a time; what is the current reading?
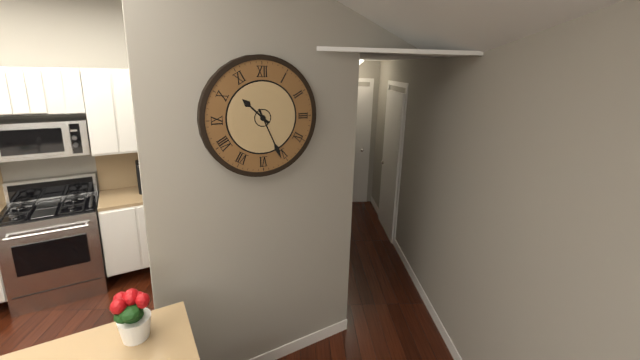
10:26
